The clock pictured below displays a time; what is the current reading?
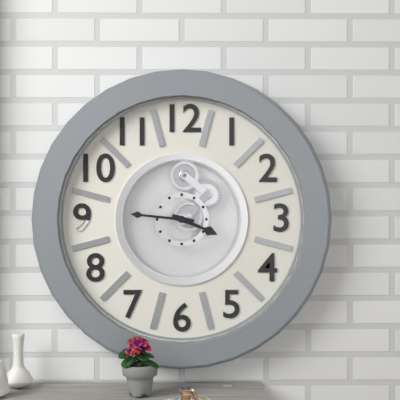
3:46
